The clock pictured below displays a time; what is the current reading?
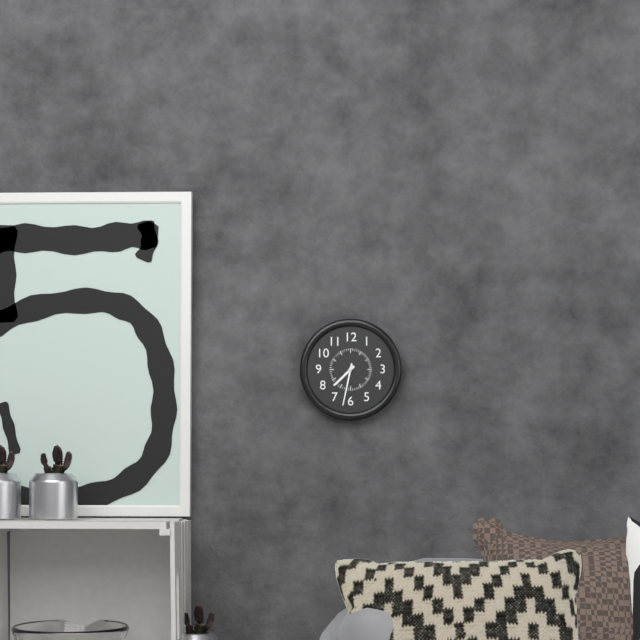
7:32
